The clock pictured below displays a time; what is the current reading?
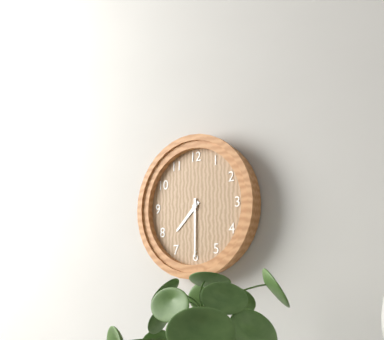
7:30
